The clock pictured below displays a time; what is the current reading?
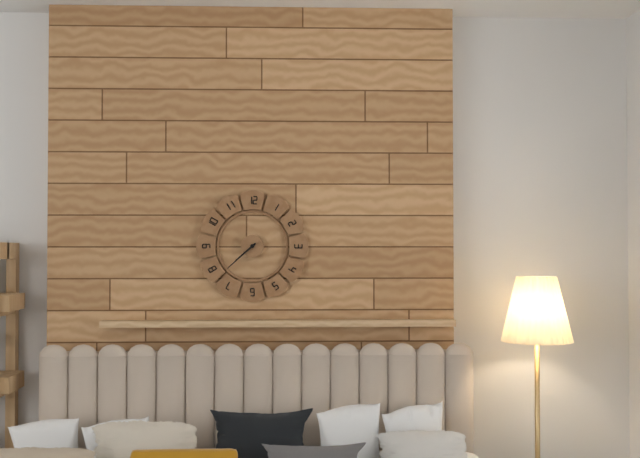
7:38
